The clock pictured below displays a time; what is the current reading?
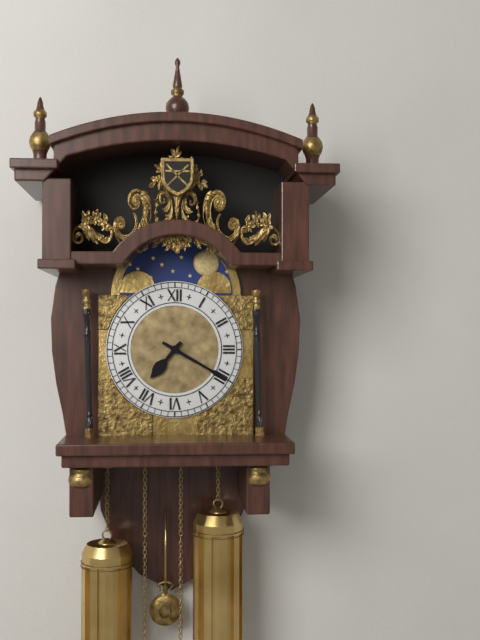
7:20
